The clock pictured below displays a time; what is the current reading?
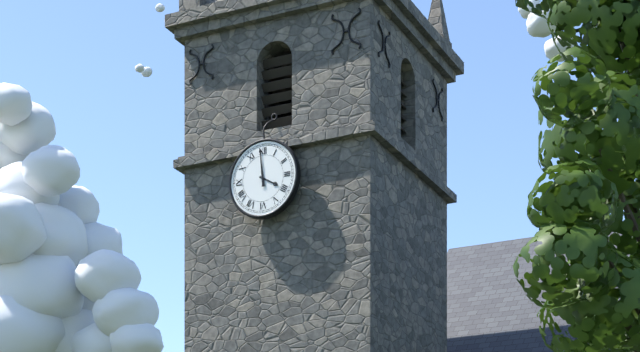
3:59
